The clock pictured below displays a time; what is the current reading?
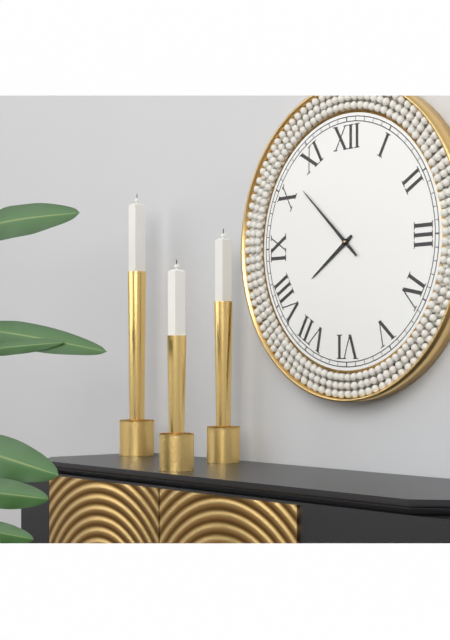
7:52
